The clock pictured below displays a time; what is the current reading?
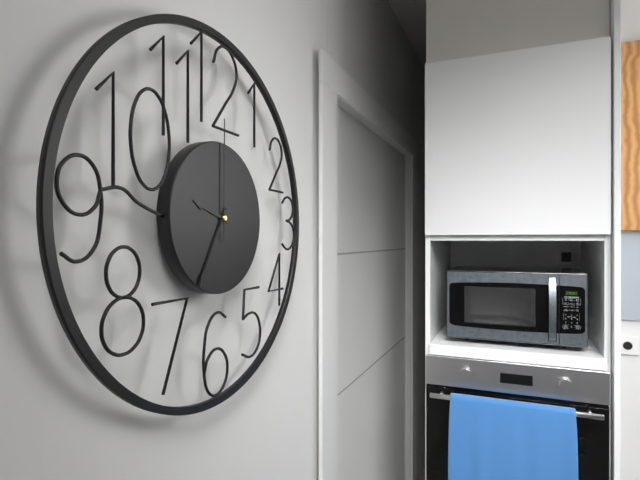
9:35:00
